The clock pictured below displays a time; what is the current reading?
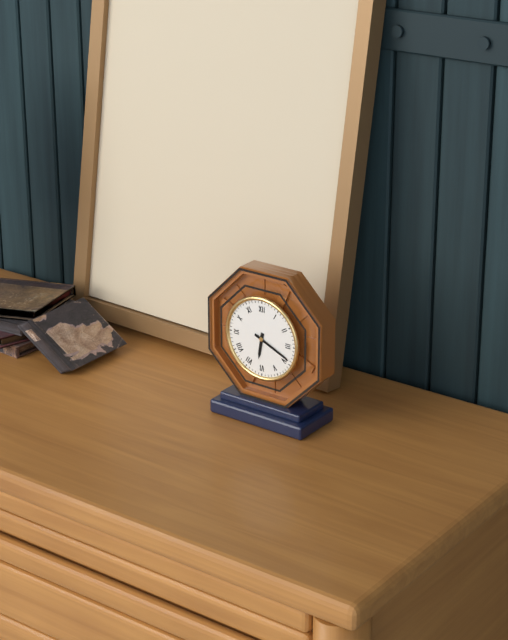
6:19
